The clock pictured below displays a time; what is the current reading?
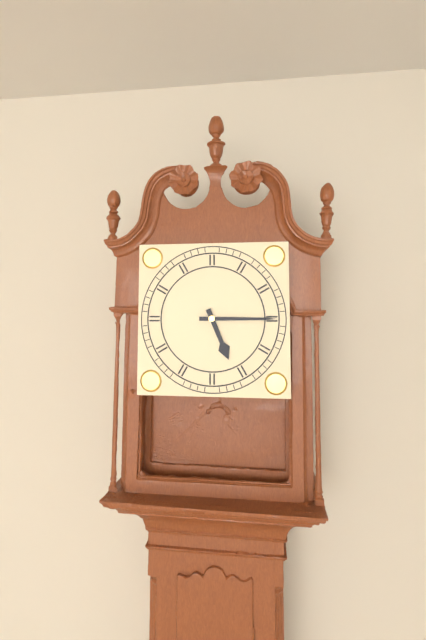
5:15
